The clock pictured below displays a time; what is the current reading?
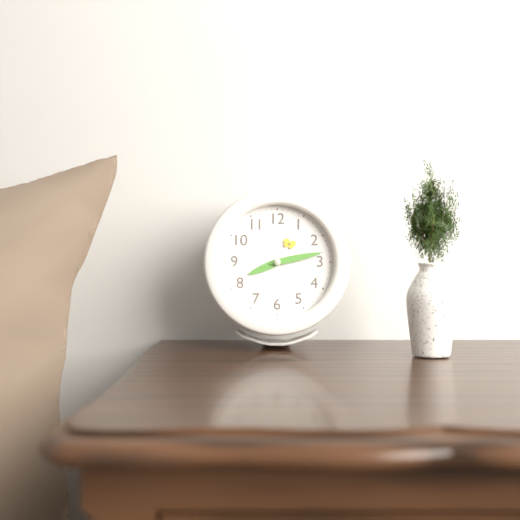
8:13
